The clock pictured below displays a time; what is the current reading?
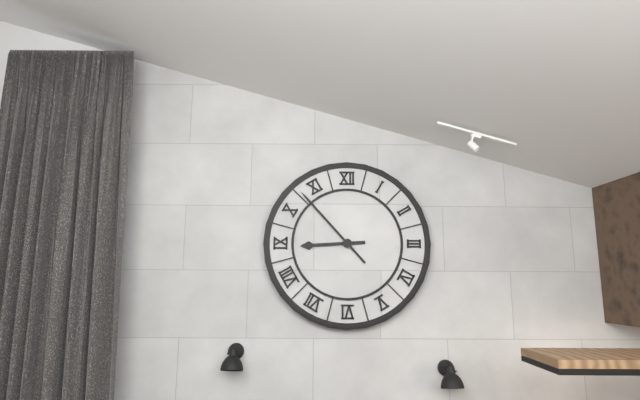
8:53
